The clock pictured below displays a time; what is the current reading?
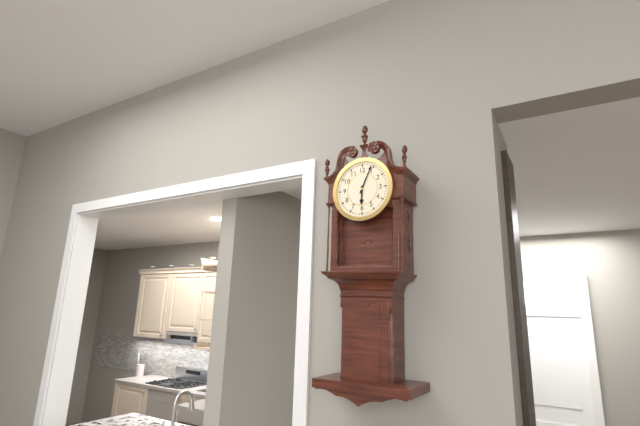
6:04
